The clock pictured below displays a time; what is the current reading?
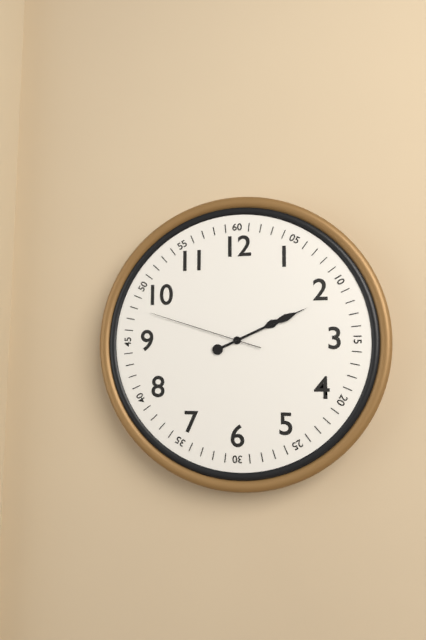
2:11:48
